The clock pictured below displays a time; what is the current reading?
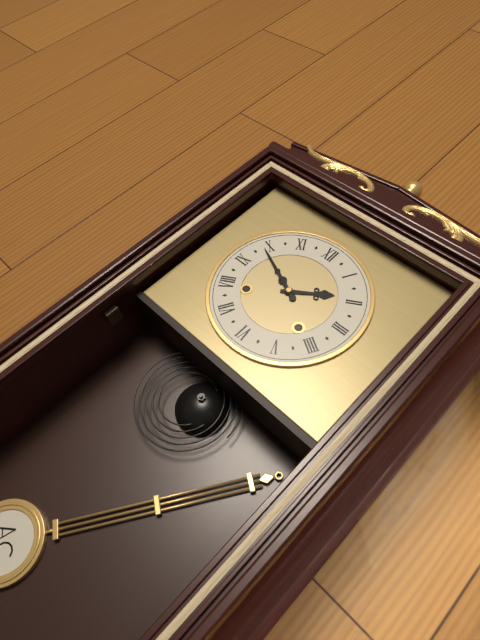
1:49
